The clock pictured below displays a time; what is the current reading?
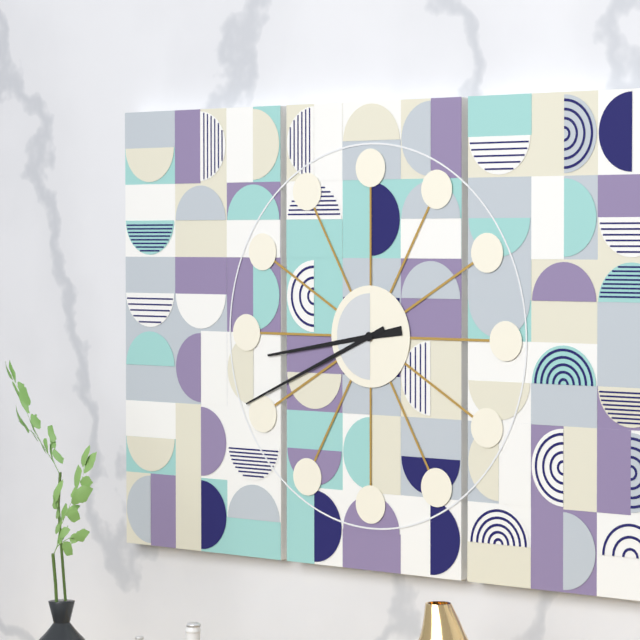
8:41
